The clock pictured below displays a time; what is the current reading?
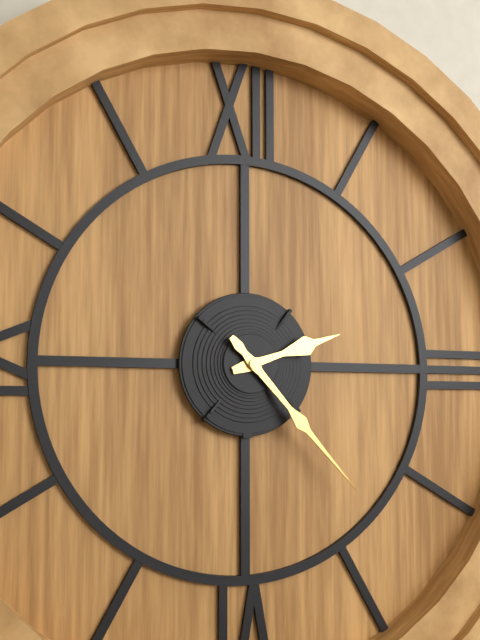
2:23
